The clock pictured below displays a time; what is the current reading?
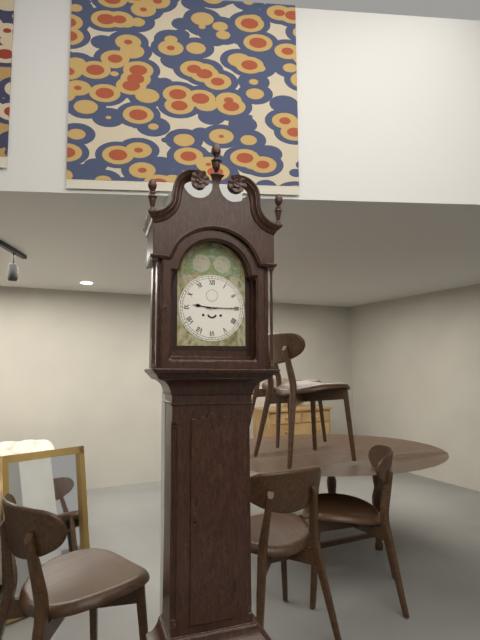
9:15
